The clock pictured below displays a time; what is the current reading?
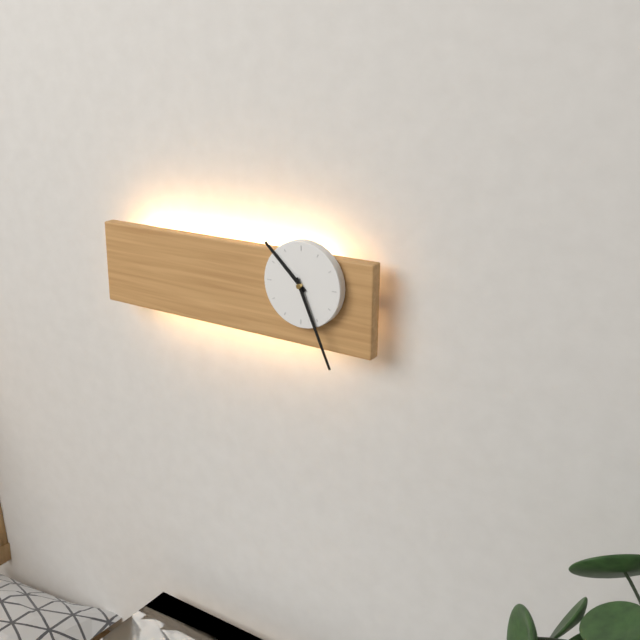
10:26
